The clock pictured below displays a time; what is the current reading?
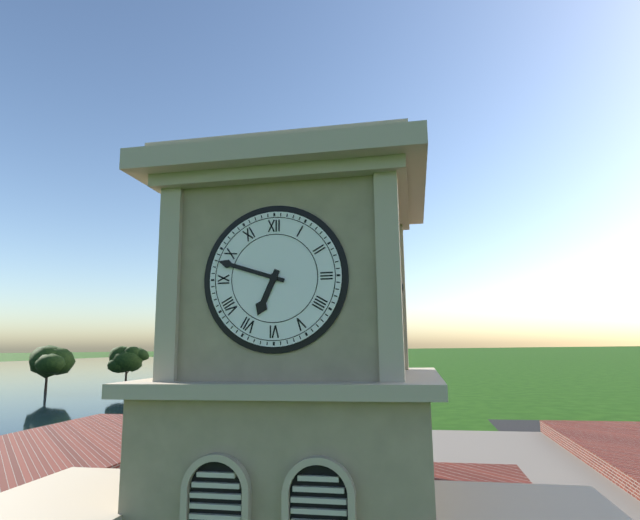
6:48
